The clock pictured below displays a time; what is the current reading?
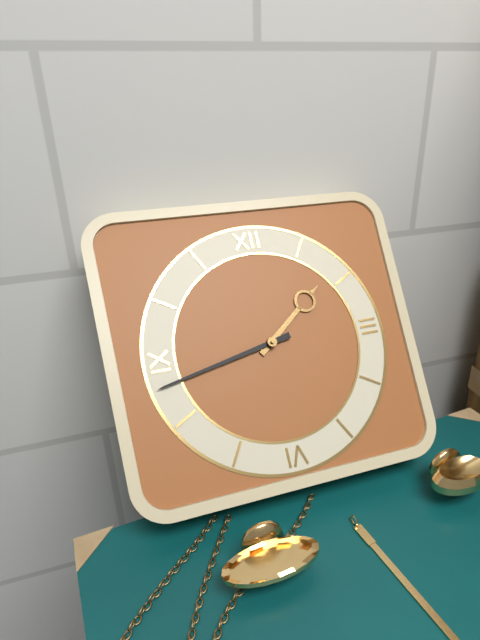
1:43
